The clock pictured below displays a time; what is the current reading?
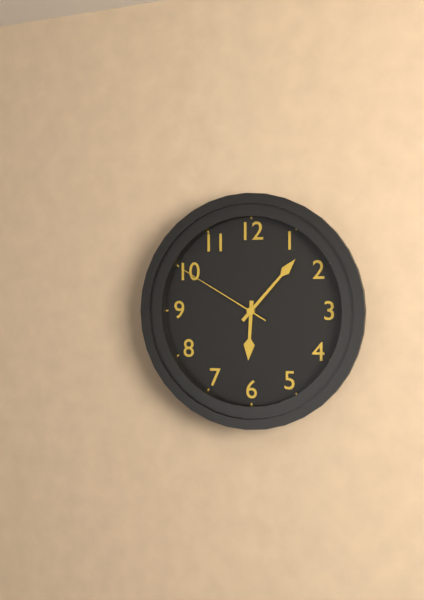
6:07:50
